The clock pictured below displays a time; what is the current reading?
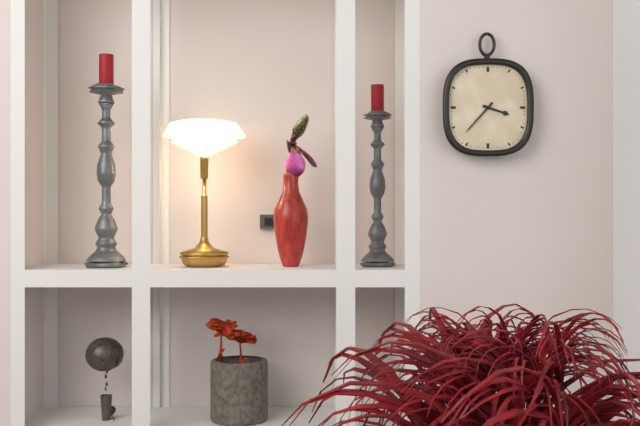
3:37
